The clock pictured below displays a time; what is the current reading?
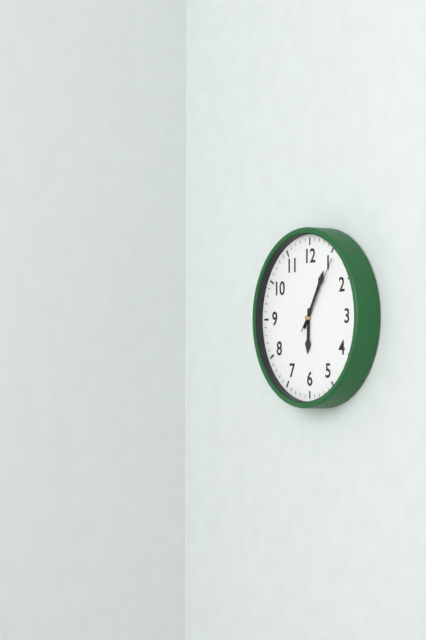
6:05:06
